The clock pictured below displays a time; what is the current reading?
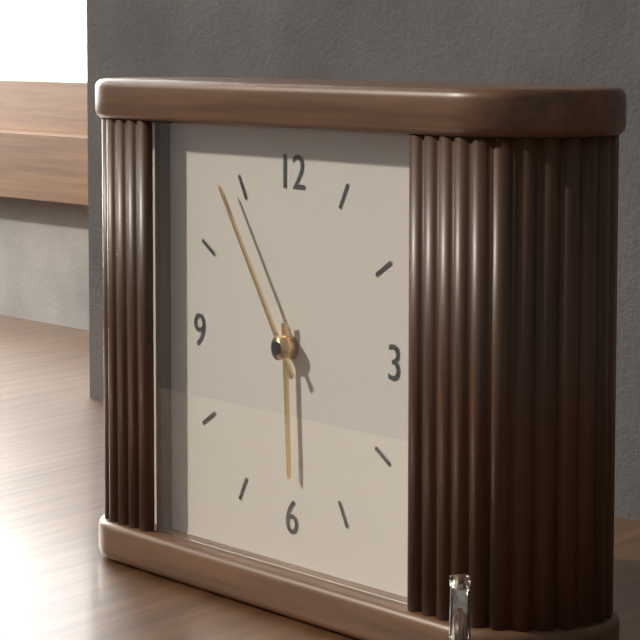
5:54
